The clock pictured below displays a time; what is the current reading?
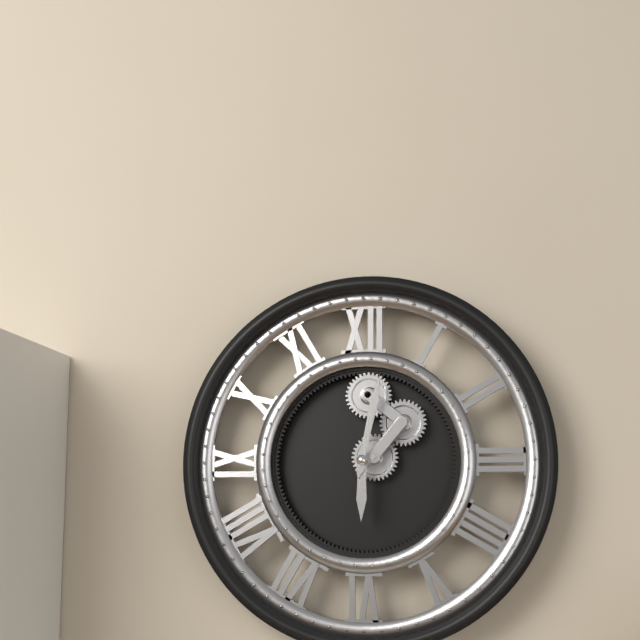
6:02
